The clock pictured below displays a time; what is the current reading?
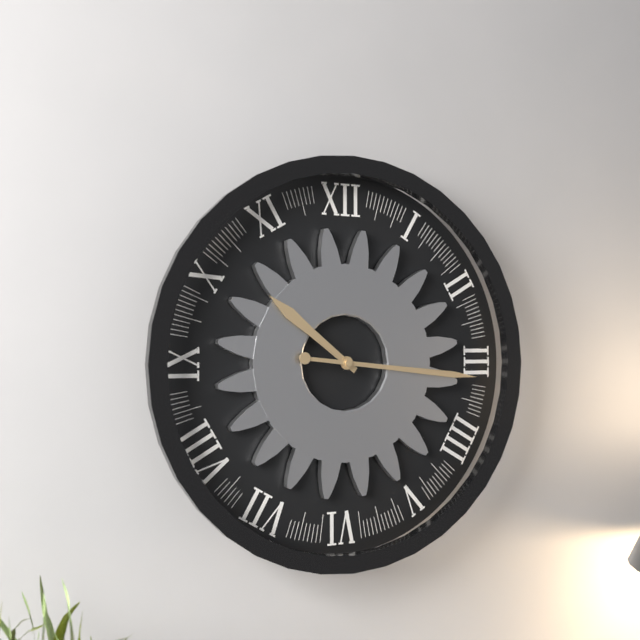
10:16
